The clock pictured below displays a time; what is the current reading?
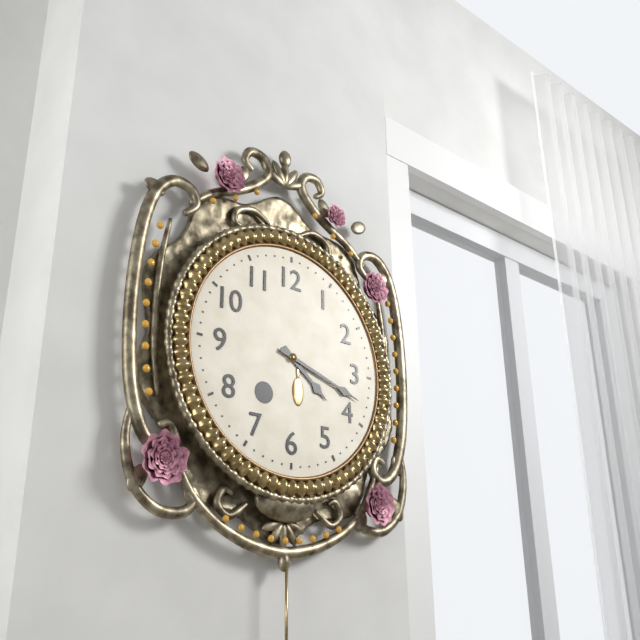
4:18
